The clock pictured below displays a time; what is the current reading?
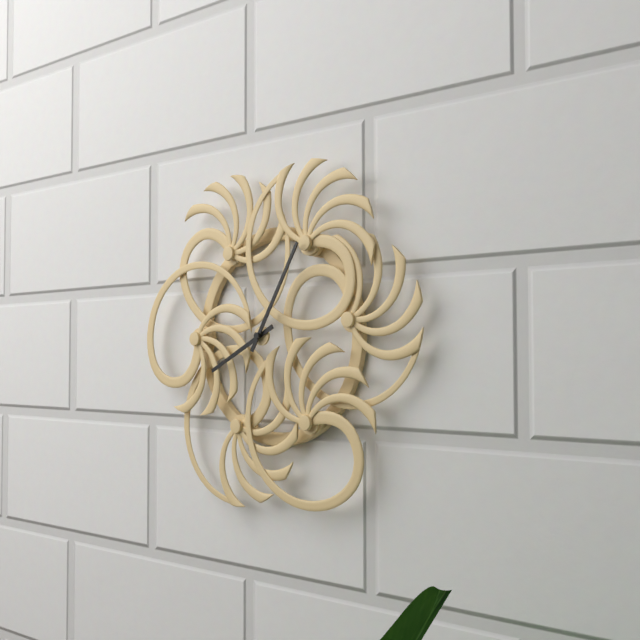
8:05
